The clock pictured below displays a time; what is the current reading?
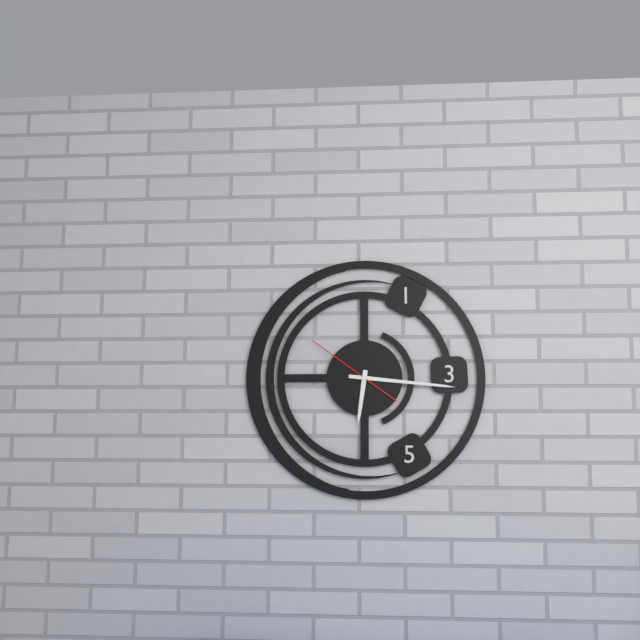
6:16:51
